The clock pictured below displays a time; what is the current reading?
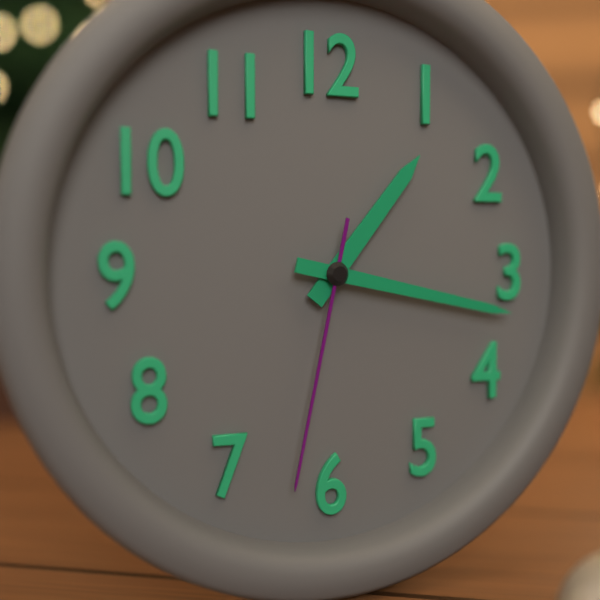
1:17:32
